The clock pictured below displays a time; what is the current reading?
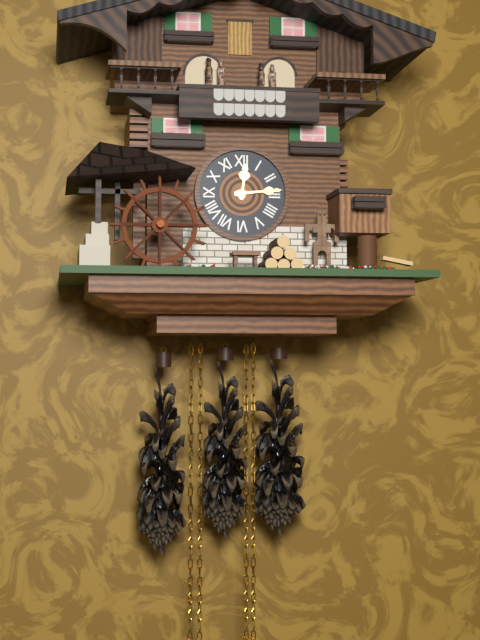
12:14
